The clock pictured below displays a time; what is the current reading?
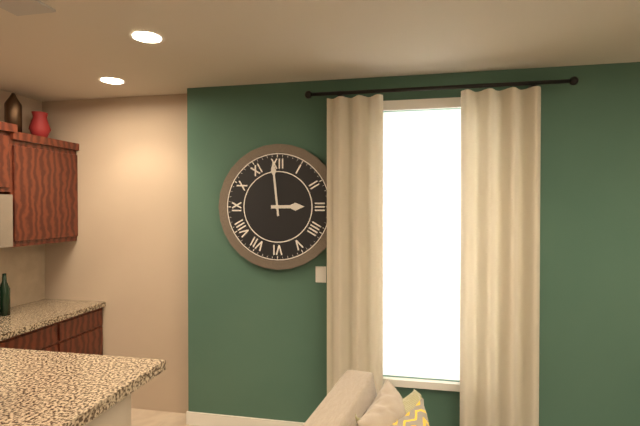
2:59
